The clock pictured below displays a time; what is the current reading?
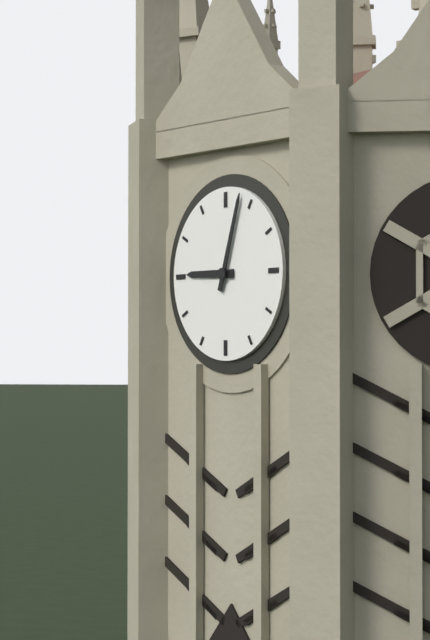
9:03
